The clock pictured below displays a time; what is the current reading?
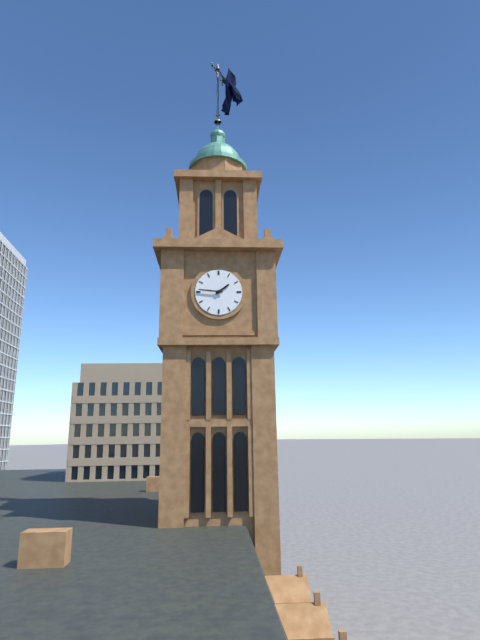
1:46
